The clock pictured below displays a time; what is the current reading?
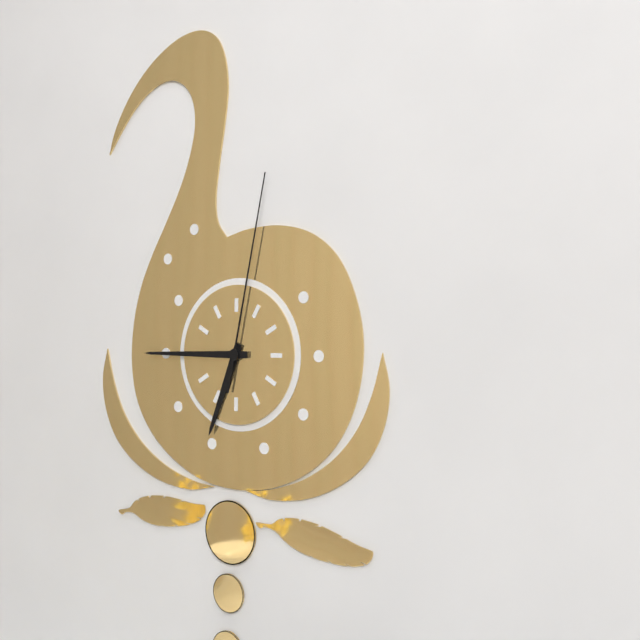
6:45:02
